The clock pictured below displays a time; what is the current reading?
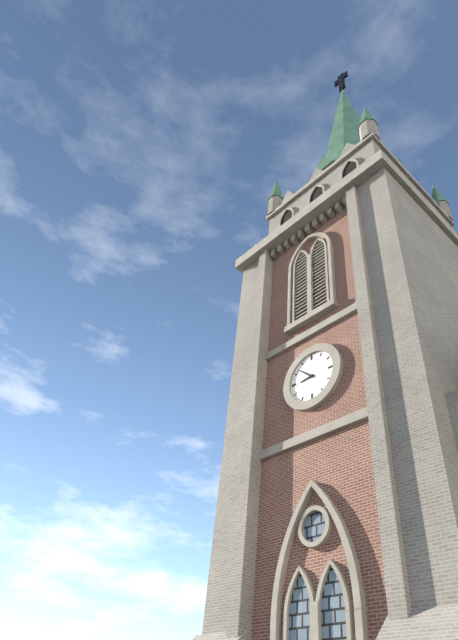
8:52
